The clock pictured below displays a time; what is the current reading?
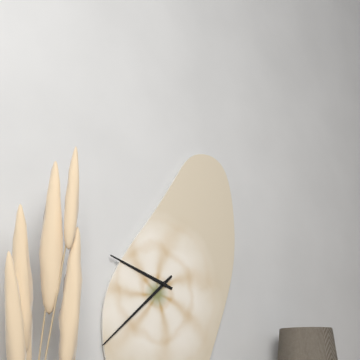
9:38
